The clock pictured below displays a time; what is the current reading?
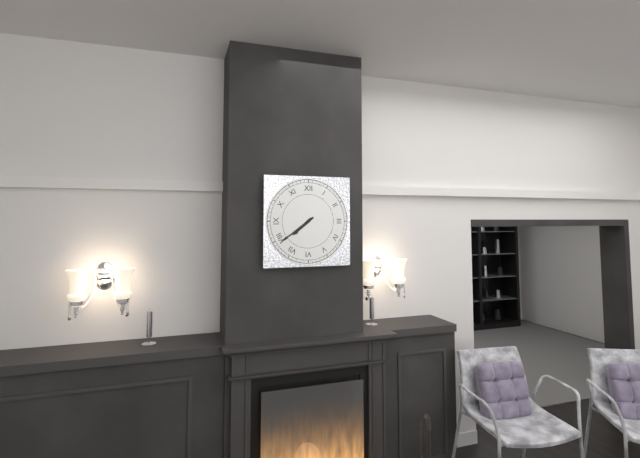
7:39
